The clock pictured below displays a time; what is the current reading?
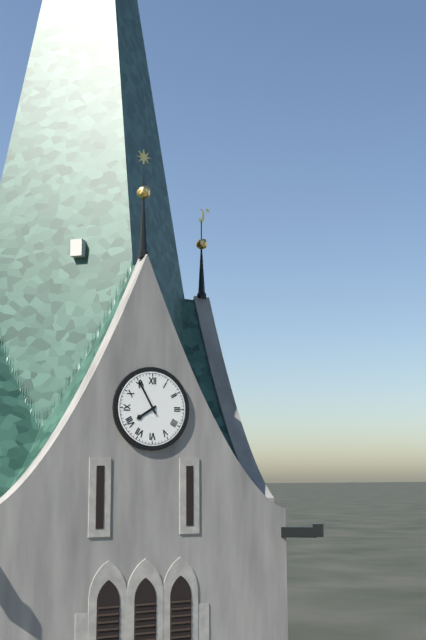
7:55
